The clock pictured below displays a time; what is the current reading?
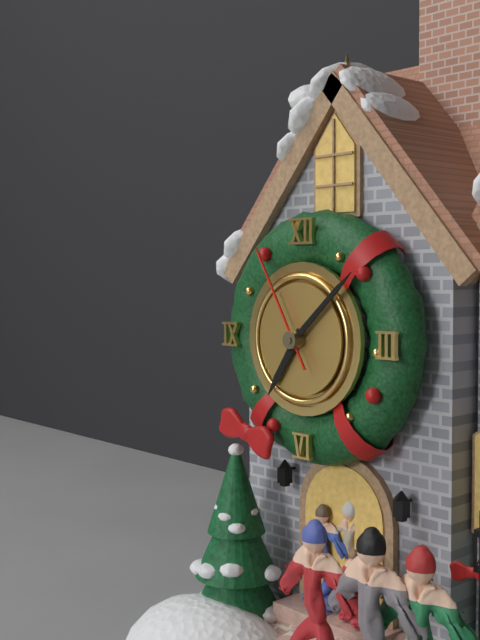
7:08:55
